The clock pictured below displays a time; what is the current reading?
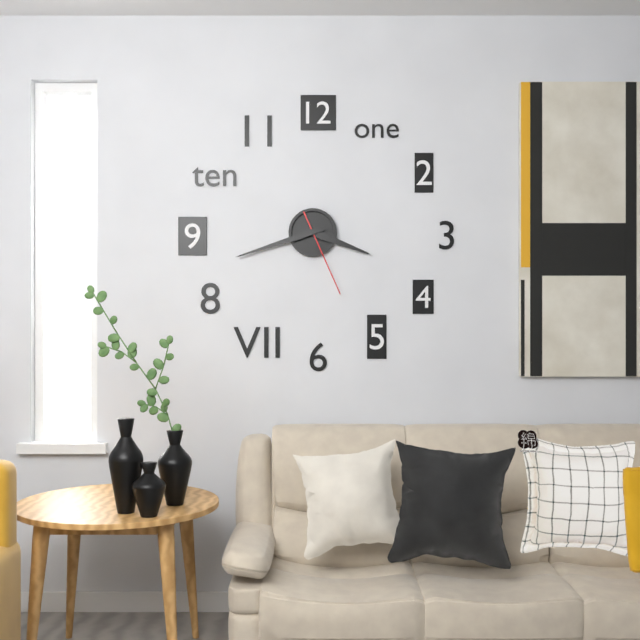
3:42:26
